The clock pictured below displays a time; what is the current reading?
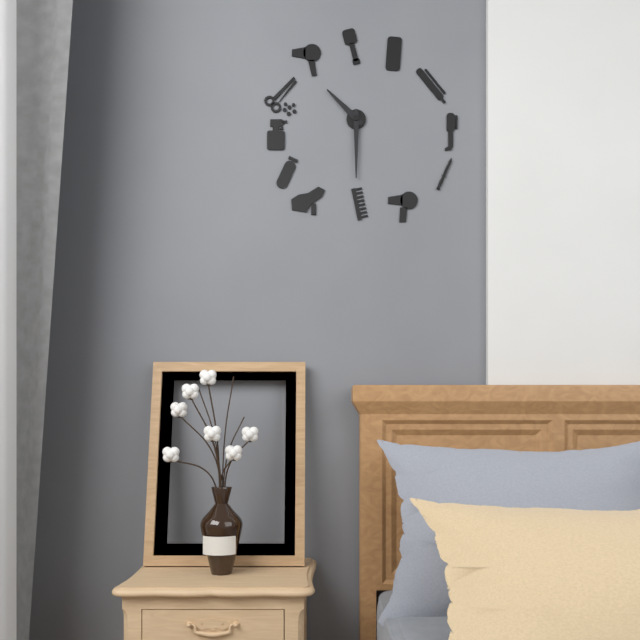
10:30
